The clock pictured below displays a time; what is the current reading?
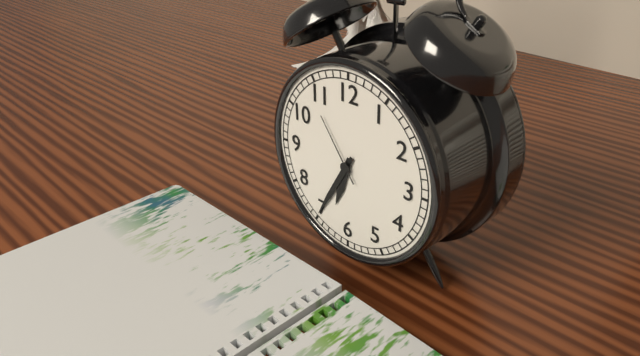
6:35:54
